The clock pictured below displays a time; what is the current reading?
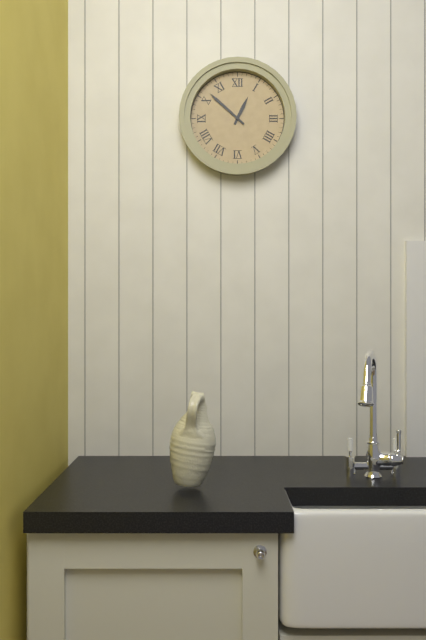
12:52
